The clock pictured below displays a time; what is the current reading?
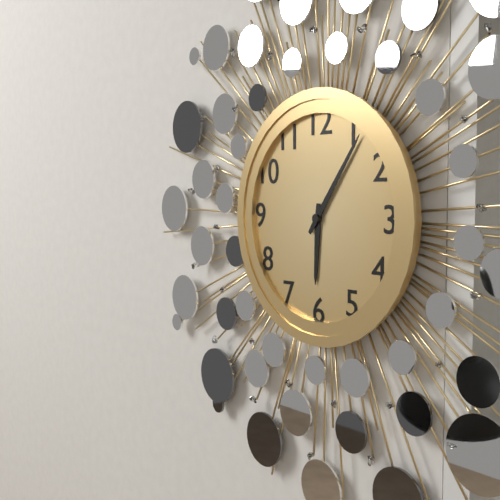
6:06
